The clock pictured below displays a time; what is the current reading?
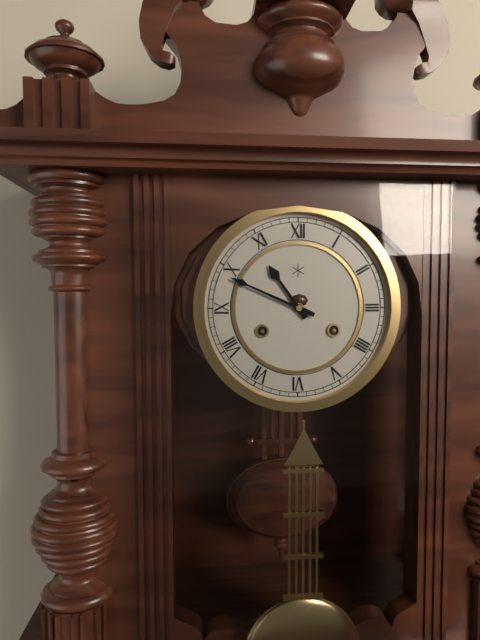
10:49
